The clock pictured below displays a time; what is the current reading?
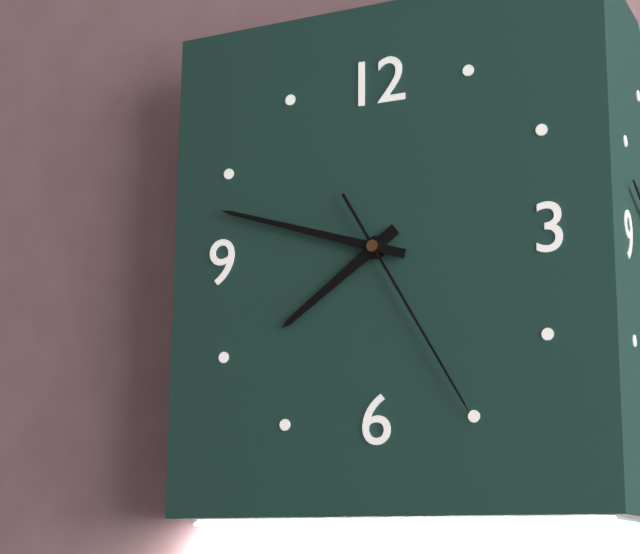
7:48:25
